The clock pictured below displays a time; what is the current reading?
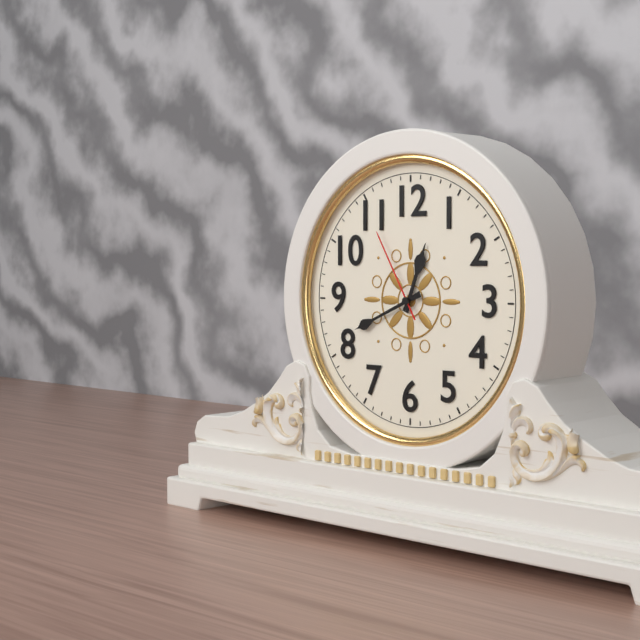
12:41:55
